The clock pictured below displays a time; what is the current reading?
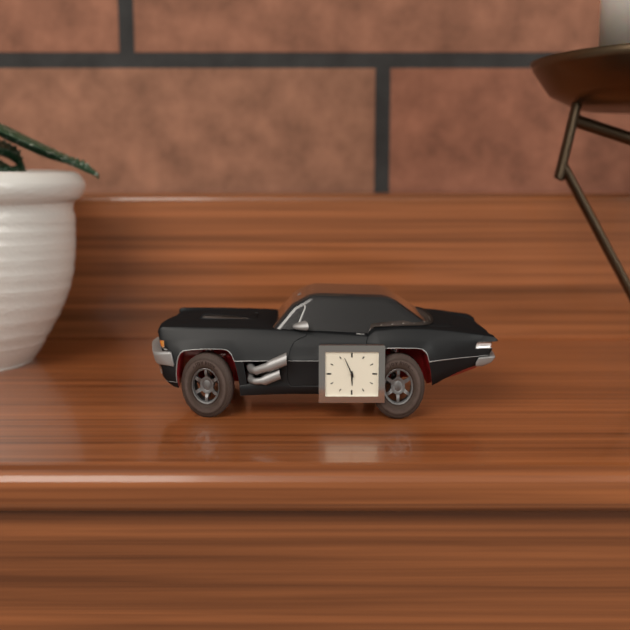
5:56
